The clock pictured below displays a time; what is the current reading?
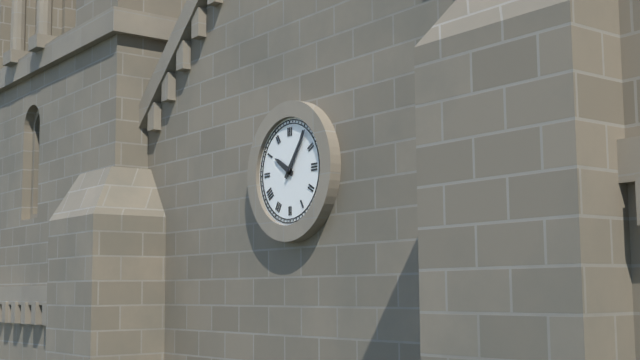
10:06
